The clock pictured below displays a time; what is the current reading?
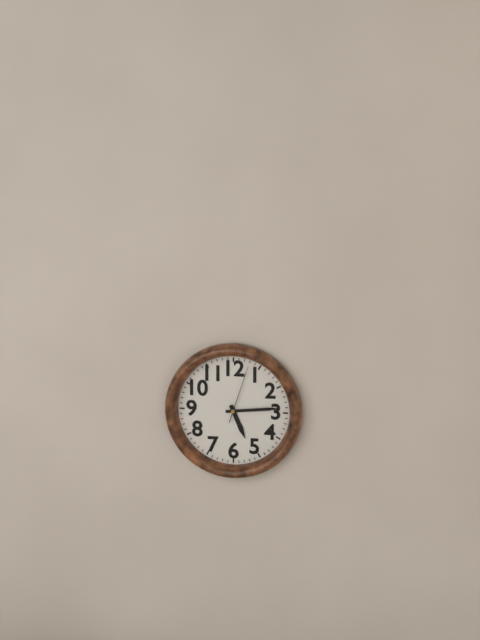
5:14:03
